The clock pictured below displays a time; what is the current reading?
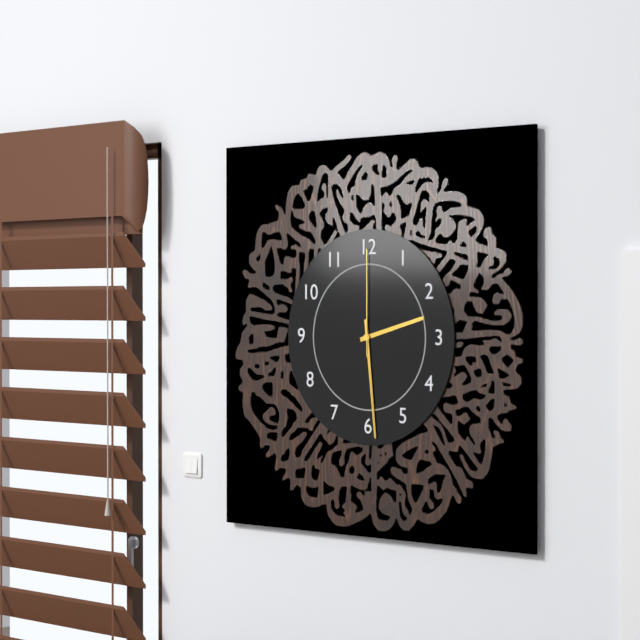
2:29:00
